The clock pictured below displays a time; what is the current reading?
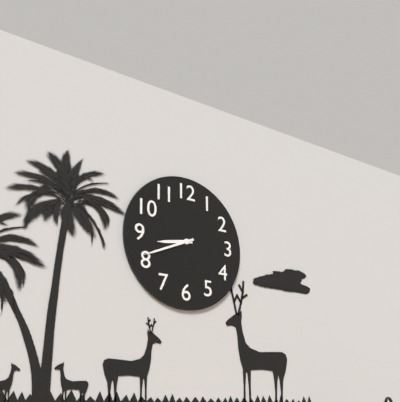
8:41
